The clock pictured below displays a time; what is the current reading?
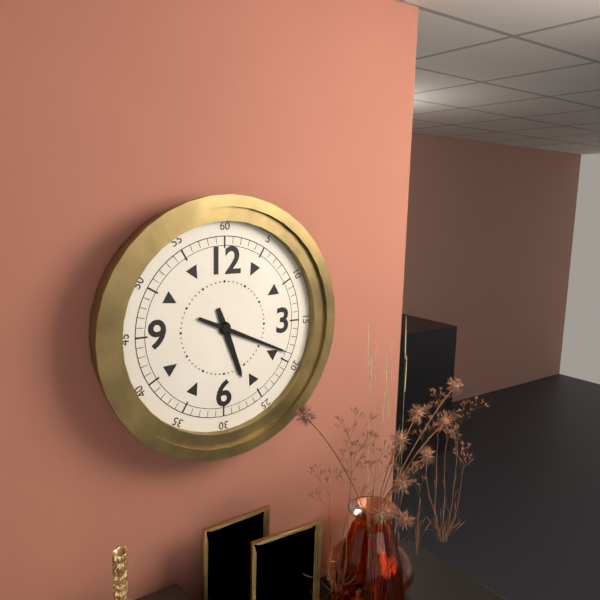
5:19
